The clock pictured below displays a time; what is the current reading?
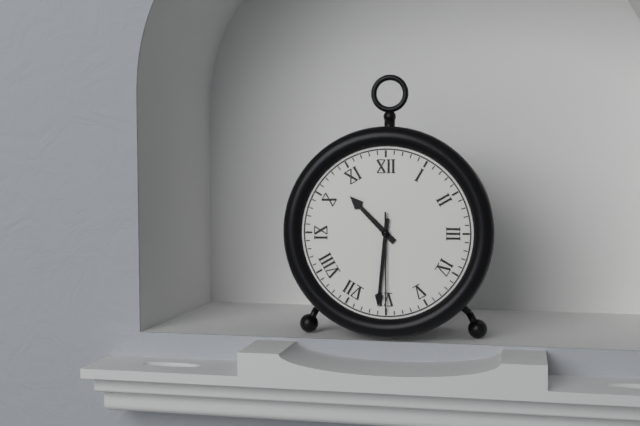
10:31:30
